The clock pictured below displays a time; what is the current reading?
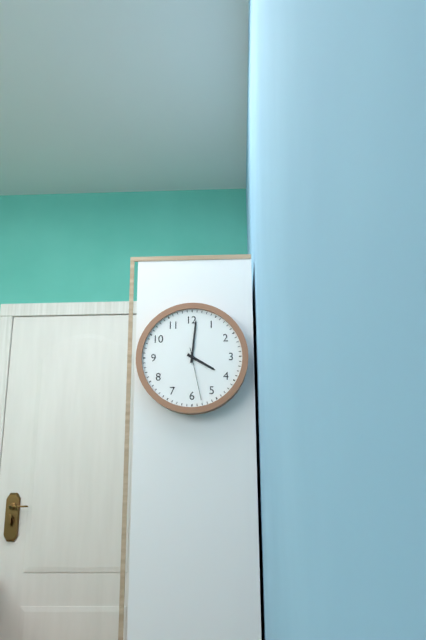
4:01:28
